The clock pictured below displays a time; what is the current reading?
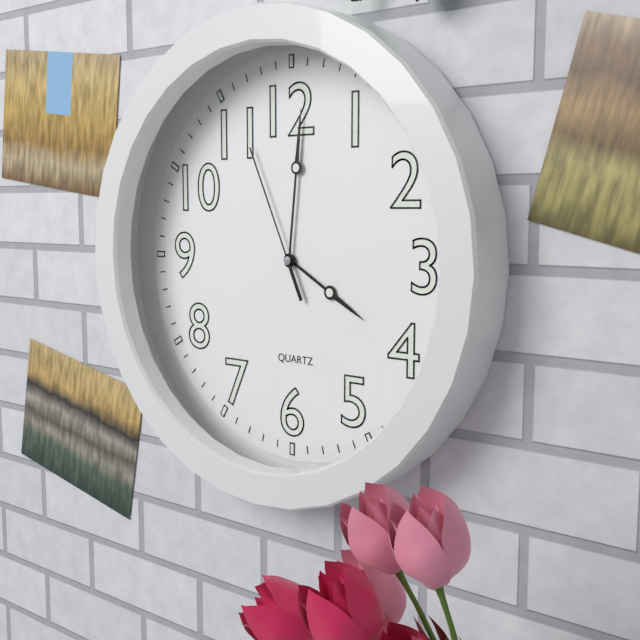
4:01:56
